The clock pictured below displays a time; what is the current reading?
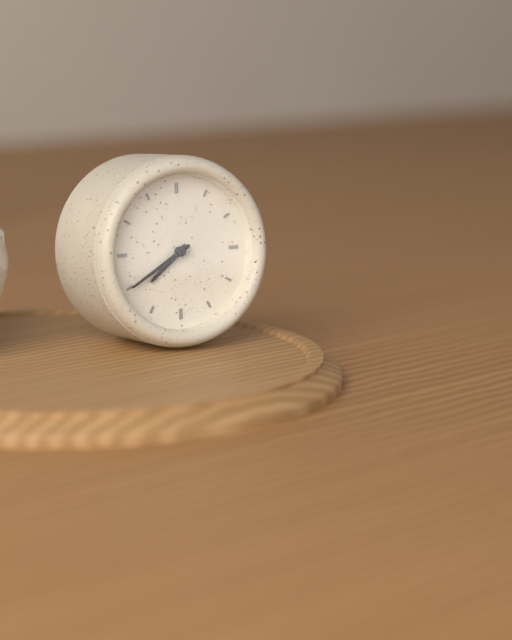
7:40
